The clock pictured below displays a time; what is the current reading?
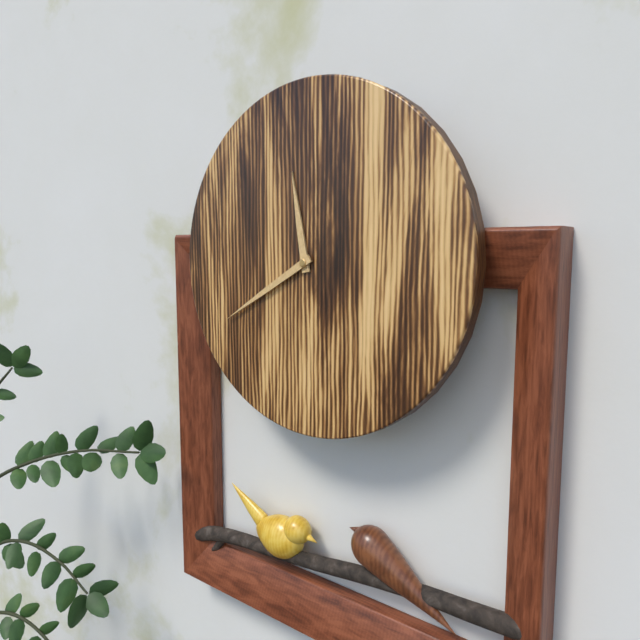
11:40
